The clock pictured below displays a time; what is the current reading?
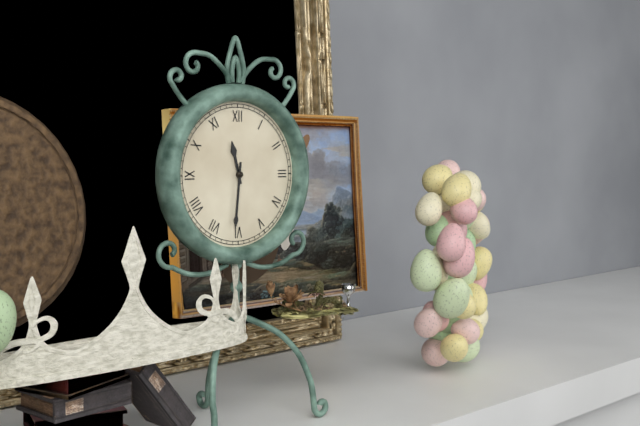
11:31
